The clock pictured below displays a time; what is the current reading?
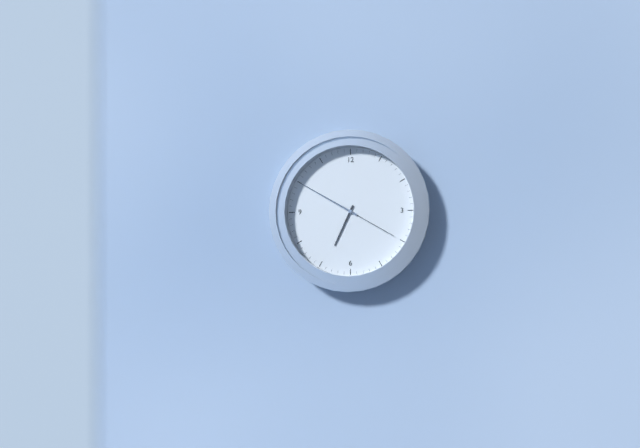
6:50:50
